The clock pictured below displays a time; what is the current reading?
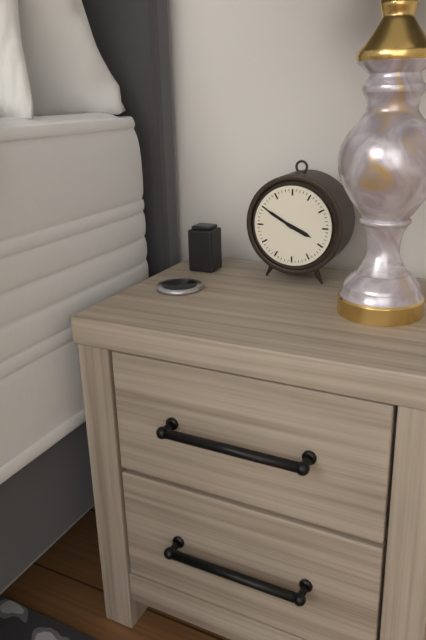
3:50
